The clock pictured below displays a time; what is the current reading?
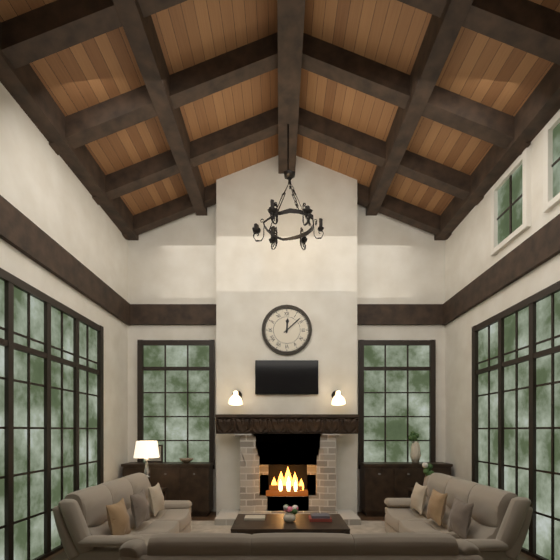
12:08
